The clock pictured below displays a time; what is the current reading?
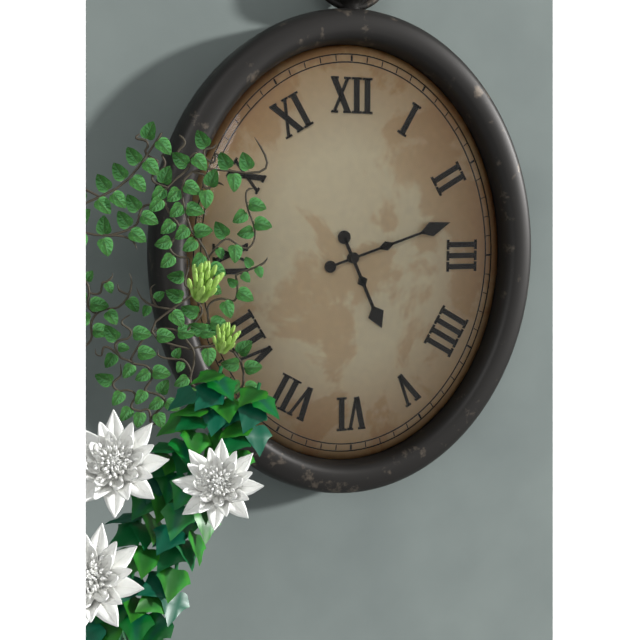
5:12
